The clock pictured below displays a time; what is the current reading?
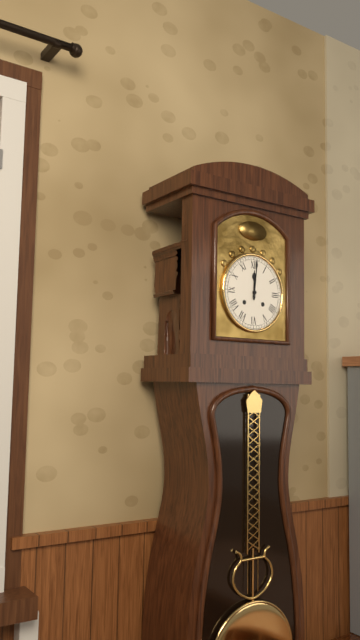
12:01
